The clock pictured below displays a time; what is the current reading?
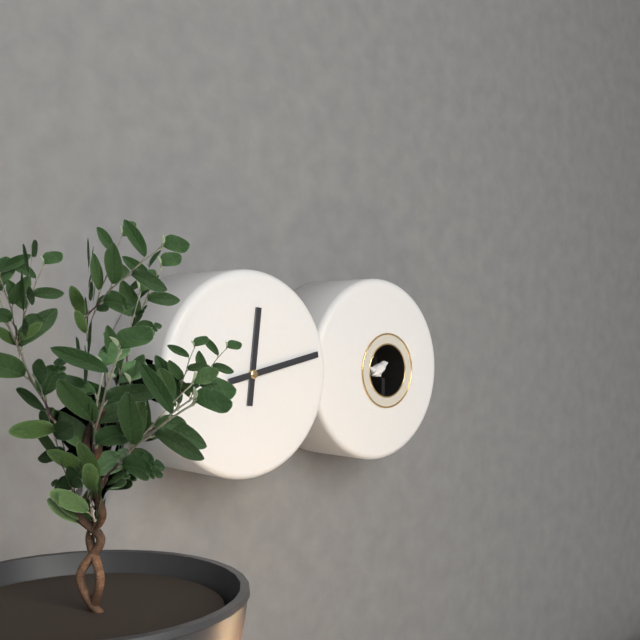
12:13
